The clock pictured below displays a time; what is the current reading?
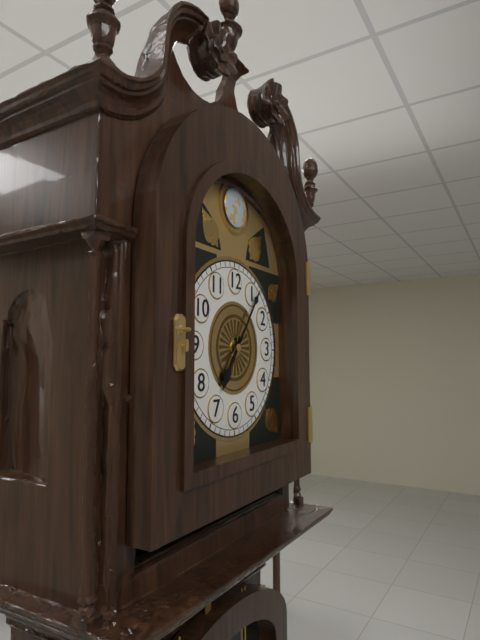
7:06
